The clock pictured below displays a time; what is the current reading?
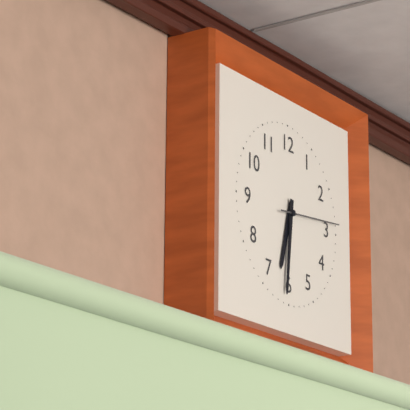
6:31:14
